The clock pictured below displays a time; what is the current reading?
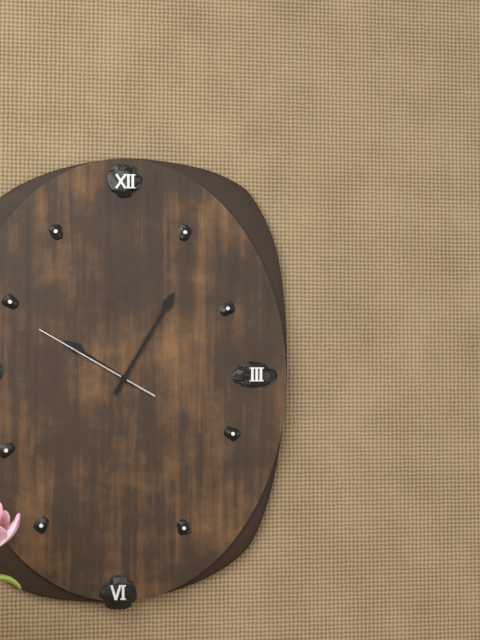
10:05:50
